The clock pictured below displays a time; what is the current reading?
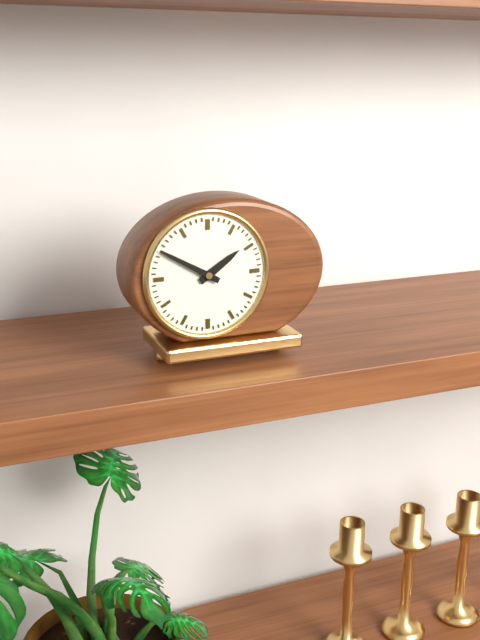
1:50
